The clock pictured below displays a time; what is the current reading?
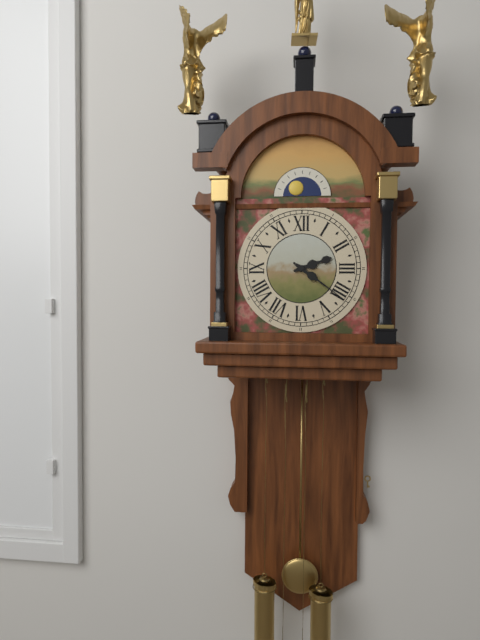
2:21
